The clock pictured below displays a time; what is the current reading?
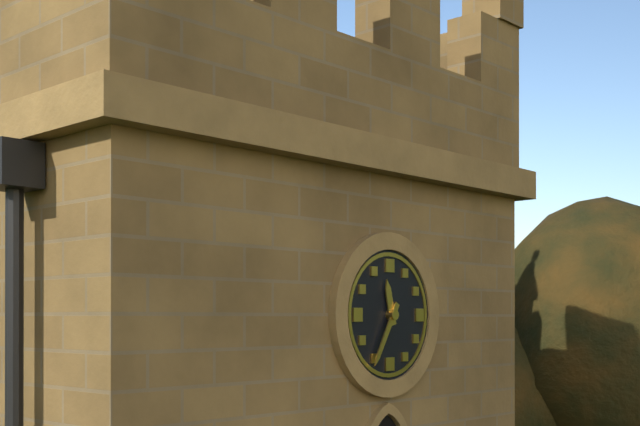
11:35
